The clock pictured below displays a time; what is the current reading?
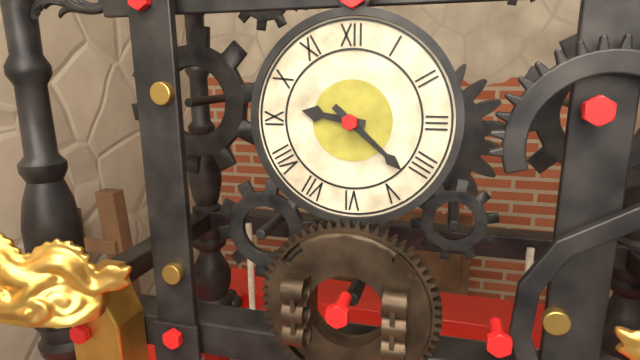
9:22
